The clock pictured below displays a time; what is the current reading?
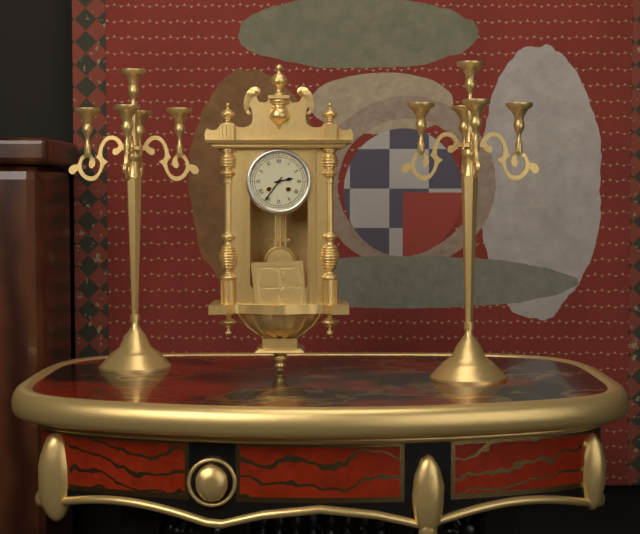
2:36
